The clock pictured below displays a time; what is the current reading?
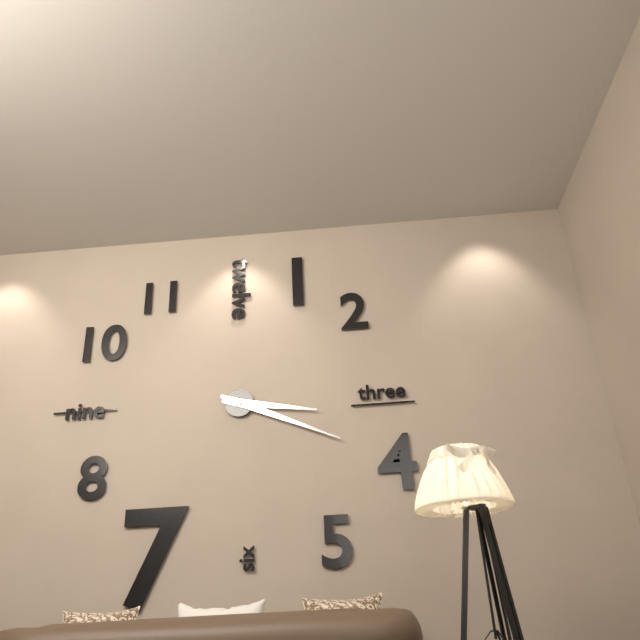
3:19
